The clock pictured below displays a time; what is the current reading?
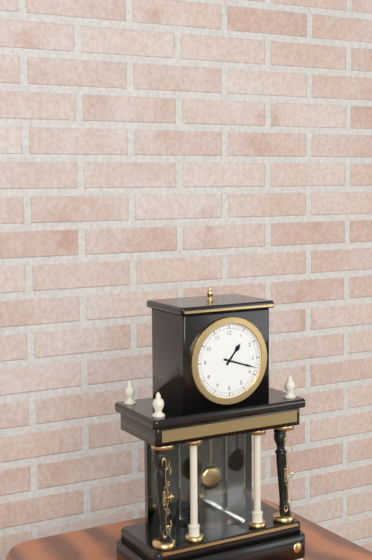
1:18
